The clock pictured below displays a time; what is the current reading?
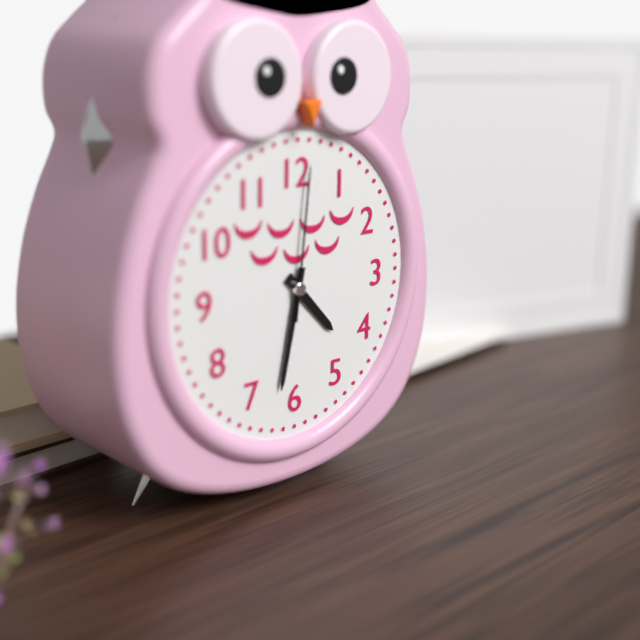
4:32:01
